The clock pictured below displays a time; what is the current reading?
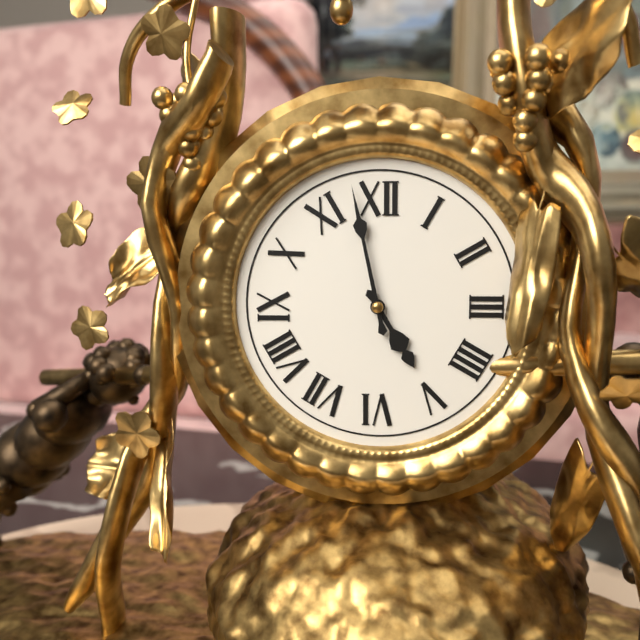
4:58
